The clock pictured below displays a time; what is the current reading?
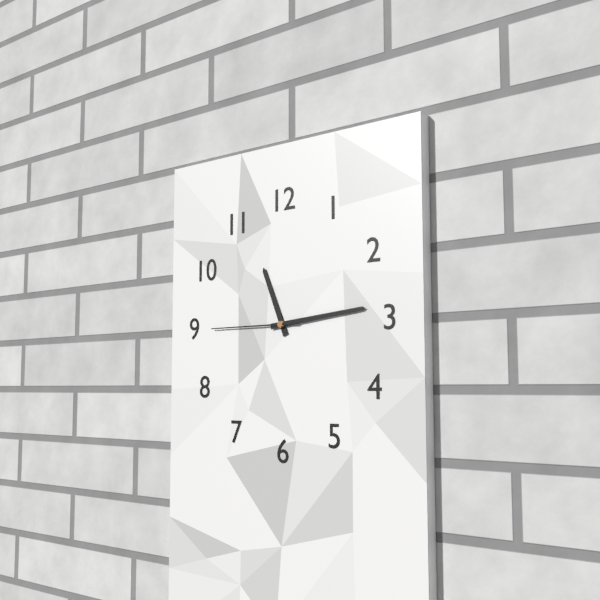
11:14:45
